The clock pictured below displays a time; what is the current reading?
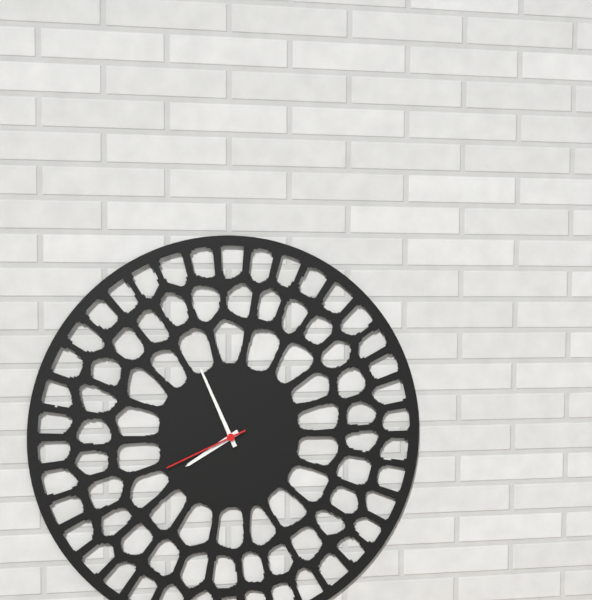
7:56:41
